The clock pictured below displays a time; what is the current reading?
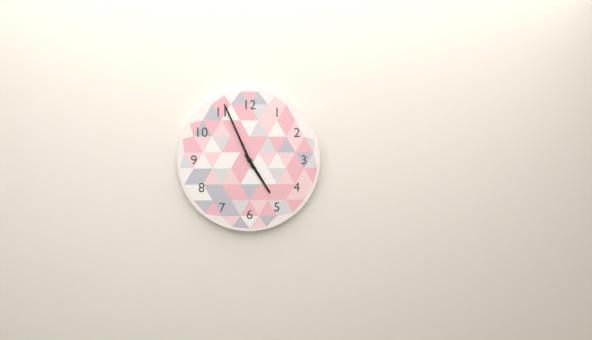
4:56
